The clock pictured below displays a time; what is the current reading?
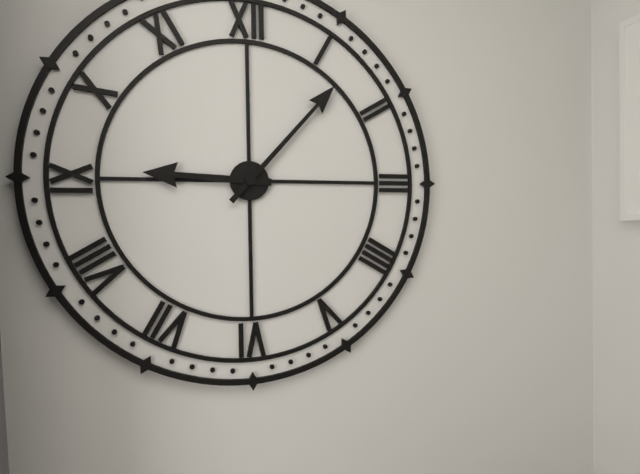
9:07
